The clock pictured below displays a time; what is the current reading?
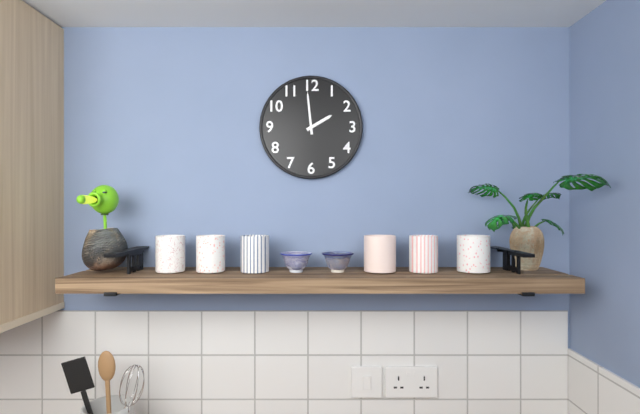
1:59
